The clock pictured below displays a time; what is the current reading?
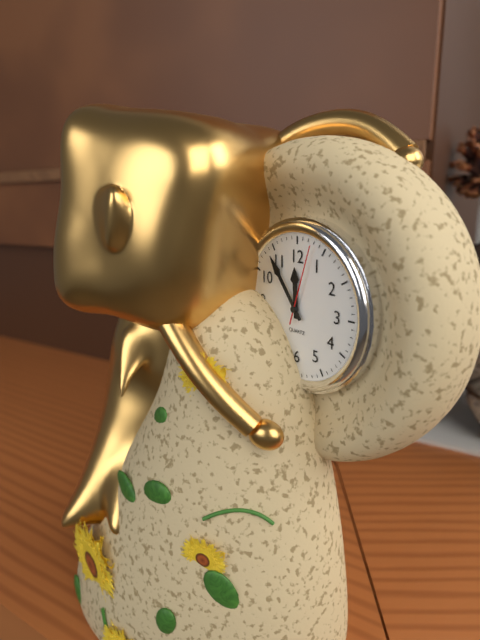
11:54:03
